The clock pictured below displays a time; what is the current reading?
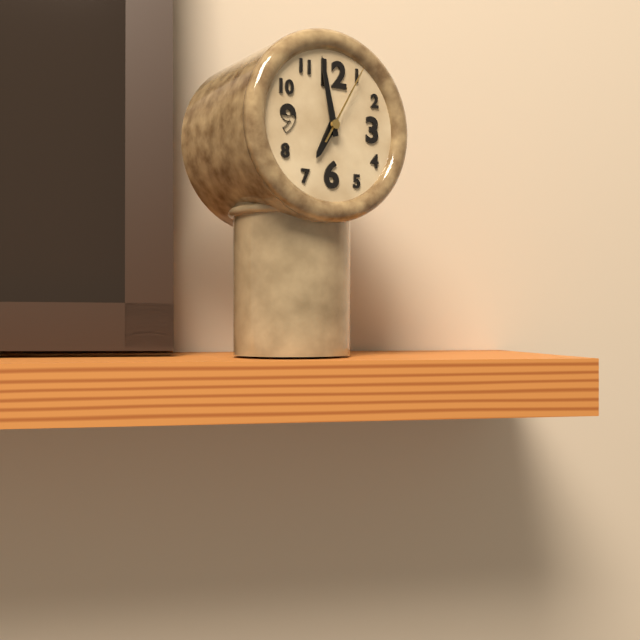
6:58:05
